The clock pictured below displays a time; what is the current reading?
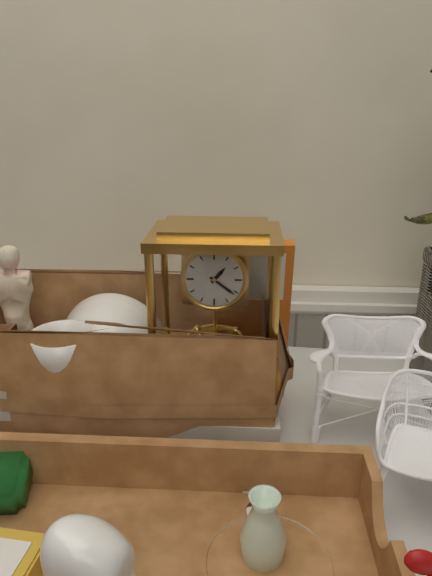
1:21
